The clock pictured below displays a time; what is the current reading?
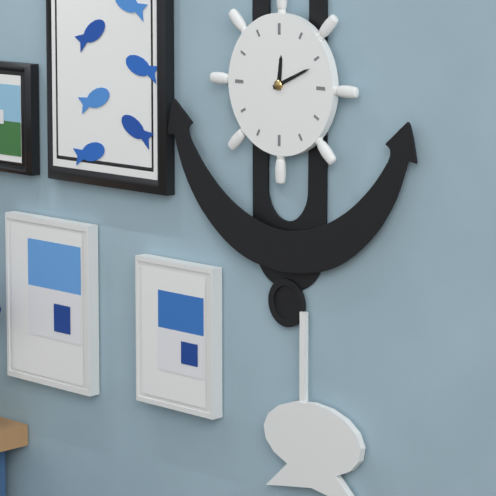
12:11
